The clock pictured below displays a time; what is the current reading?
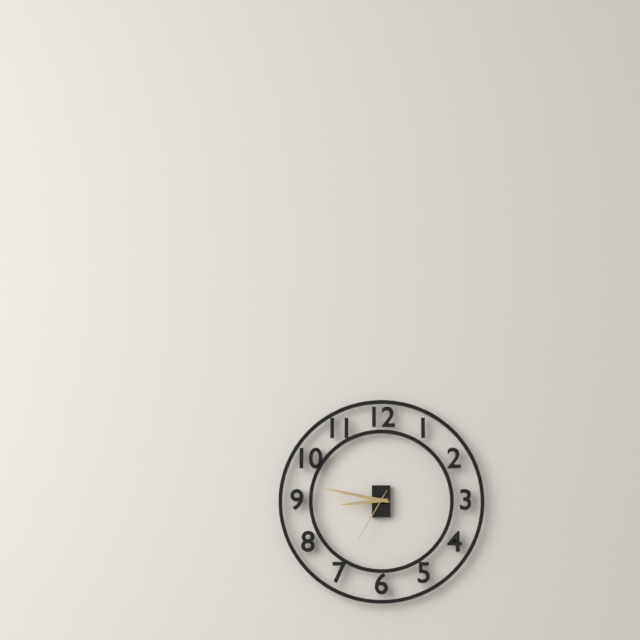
8:47:35
